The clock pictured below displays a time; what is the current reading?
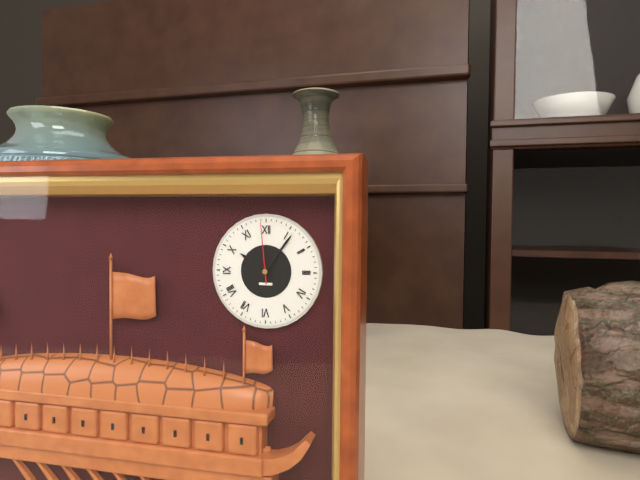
10:06:59
